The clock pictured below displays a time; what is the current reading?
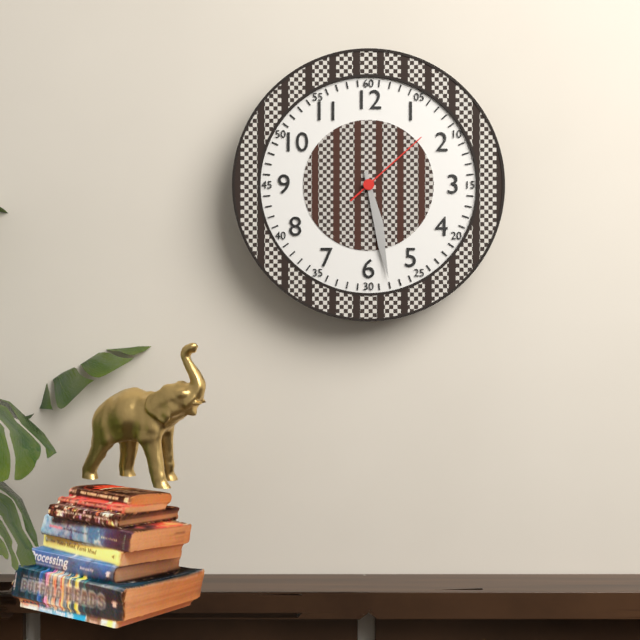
5:28:08
